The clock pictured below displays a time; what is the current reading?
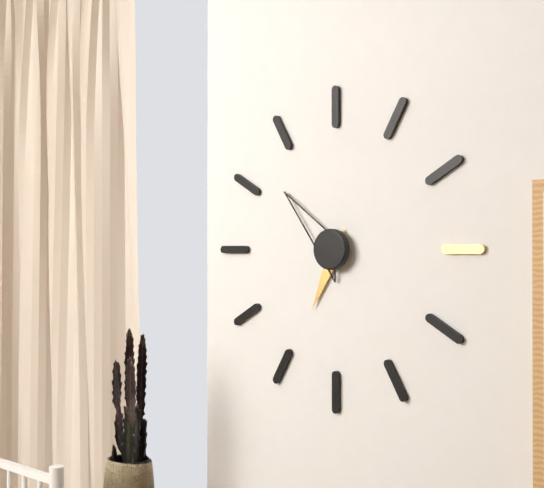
6:52
